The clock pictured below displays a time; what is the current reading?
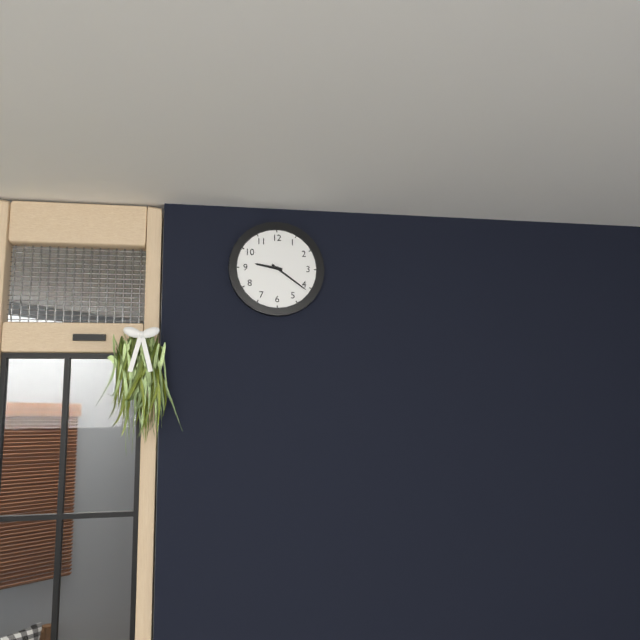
9:21
